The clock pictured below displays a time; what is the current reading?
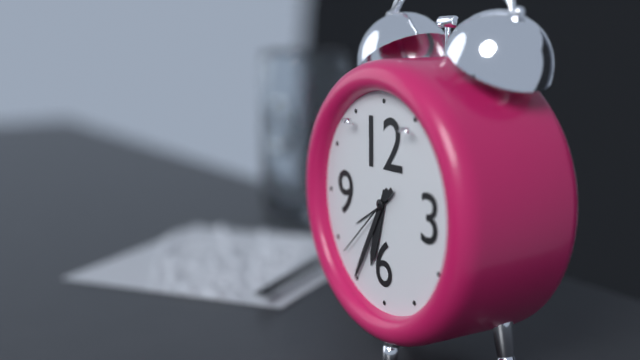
6:35:38
